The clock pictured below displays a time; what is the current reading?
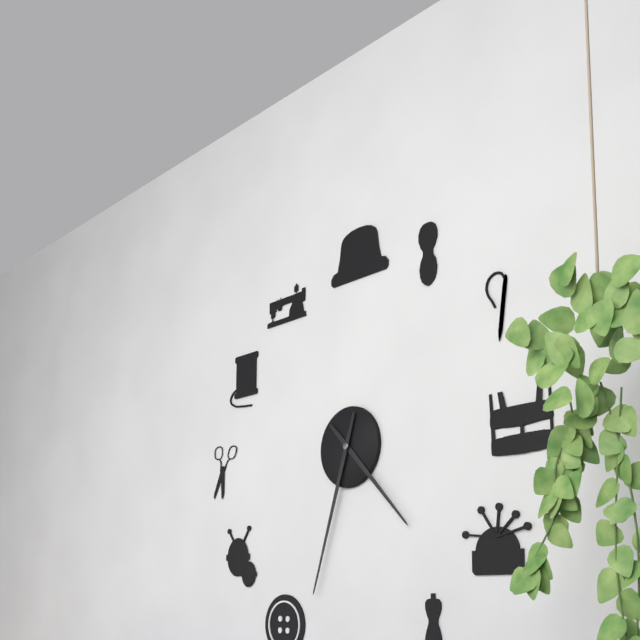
4:33
